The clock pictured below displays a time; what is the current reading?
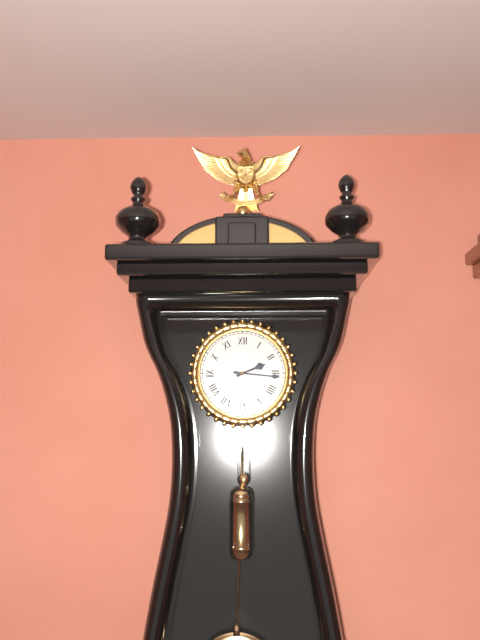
2:16
